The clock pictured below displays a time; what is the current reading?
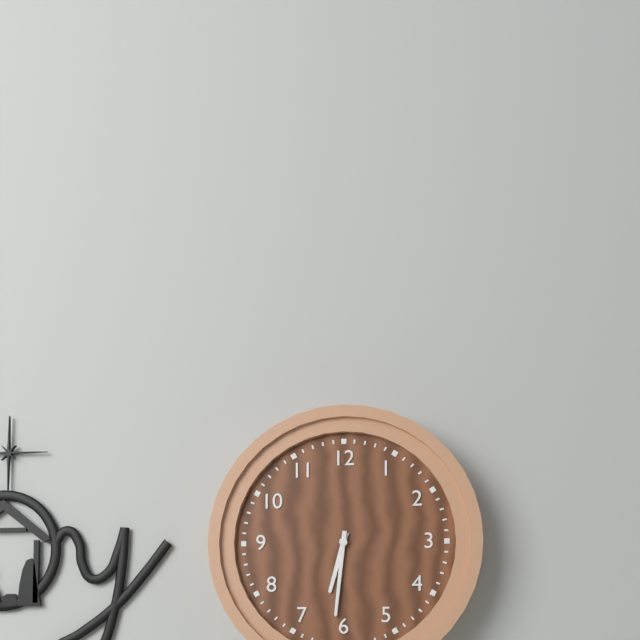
6:31
